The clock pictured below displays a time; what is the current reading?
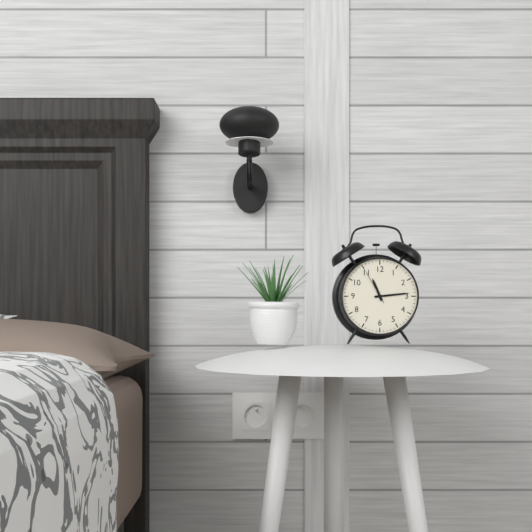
11:14
